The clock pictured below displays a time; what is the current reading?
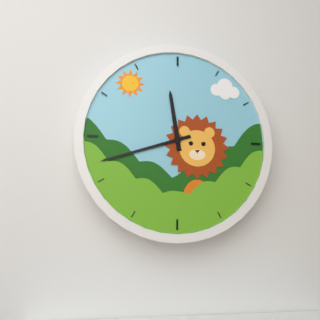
11:42
